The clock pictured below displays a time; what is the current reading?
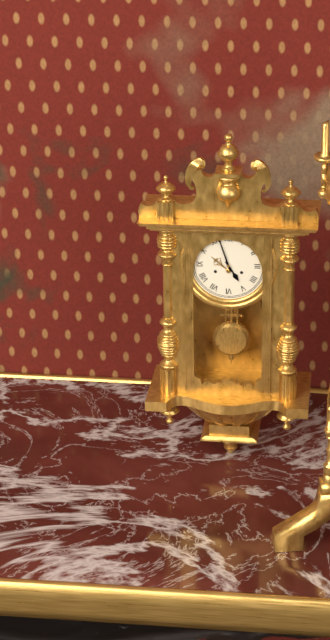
4:57
